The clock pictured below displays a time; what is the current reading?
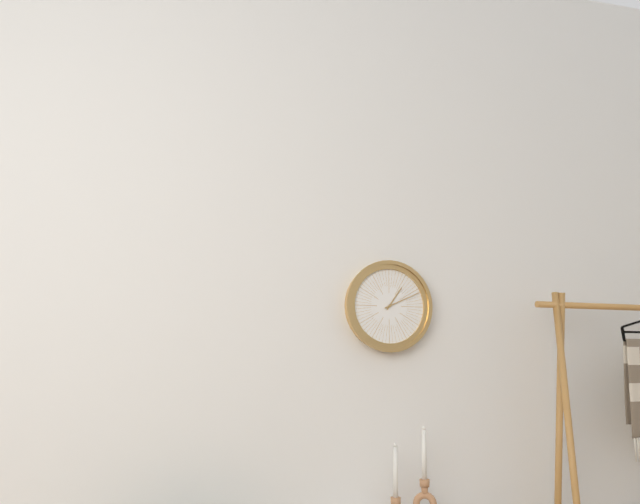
1:11
